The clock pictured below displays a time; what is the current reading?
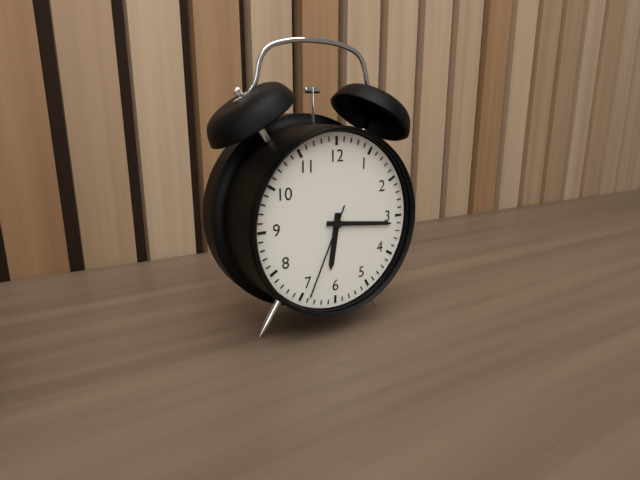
6:16:34
